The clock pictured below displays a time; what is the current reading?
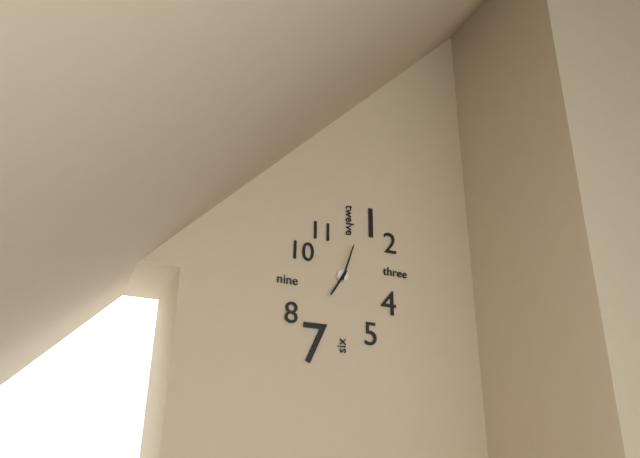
7:03
